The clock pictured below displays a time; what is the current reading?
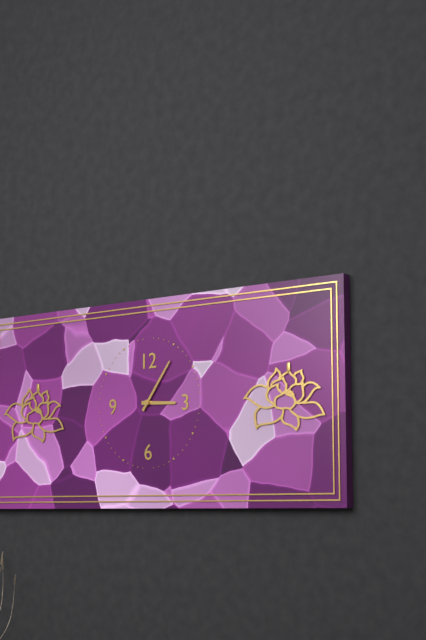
3:06
